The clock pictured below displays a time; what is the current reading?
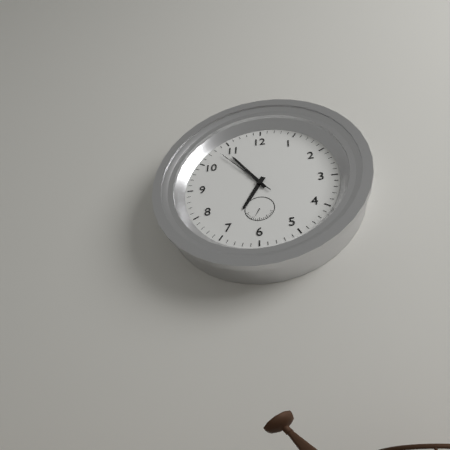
6:54:53
